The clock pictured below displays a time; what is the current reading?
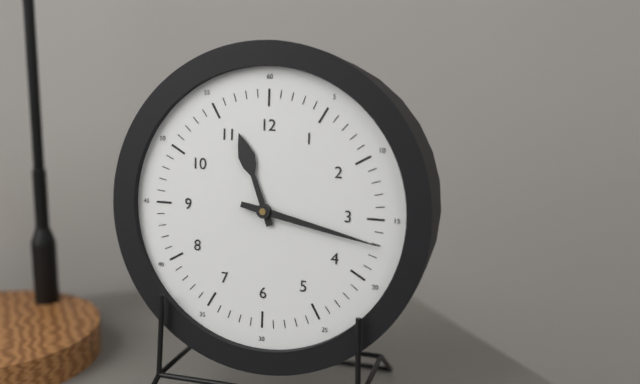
11:17
